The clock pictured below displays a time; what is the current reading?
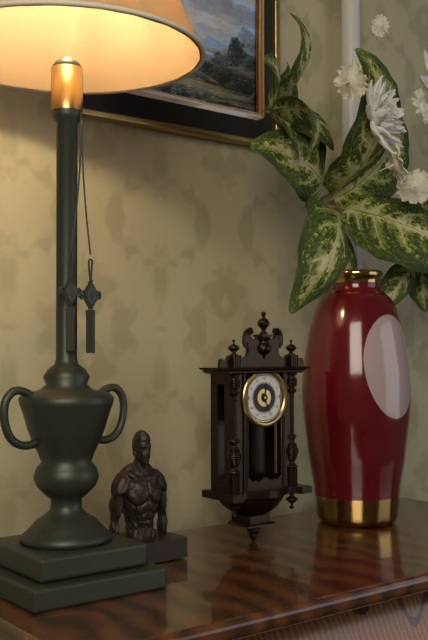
12:26
